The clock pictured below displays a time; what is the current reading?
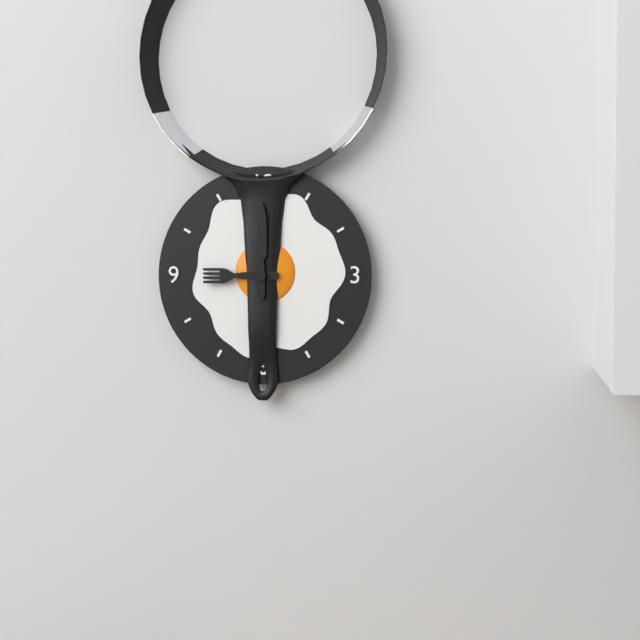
9:00
